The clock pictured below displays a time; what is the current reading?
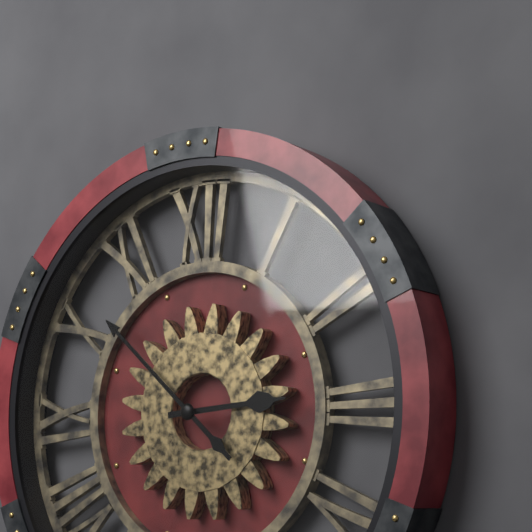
2:52
